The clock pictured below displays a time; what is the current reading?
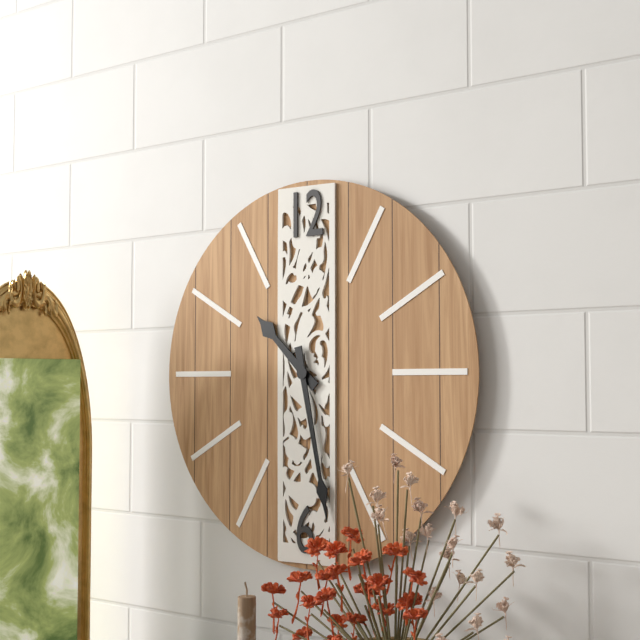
10:28
